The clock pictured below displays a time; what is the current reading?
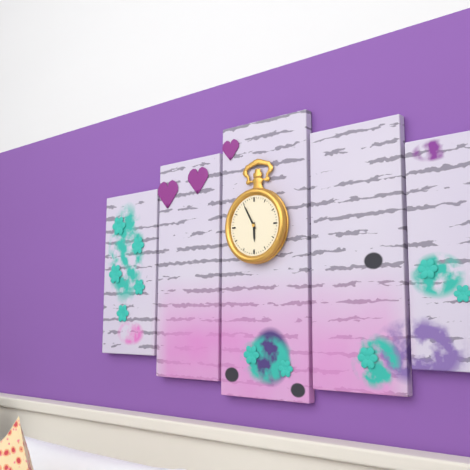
5:55
